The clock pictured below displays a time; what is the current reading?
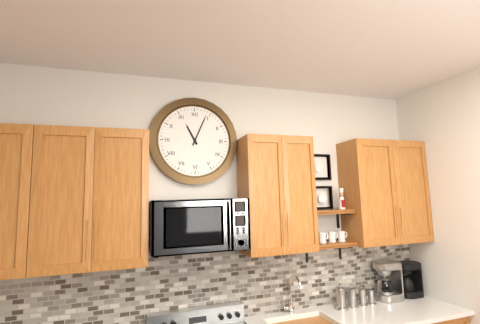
11:04
